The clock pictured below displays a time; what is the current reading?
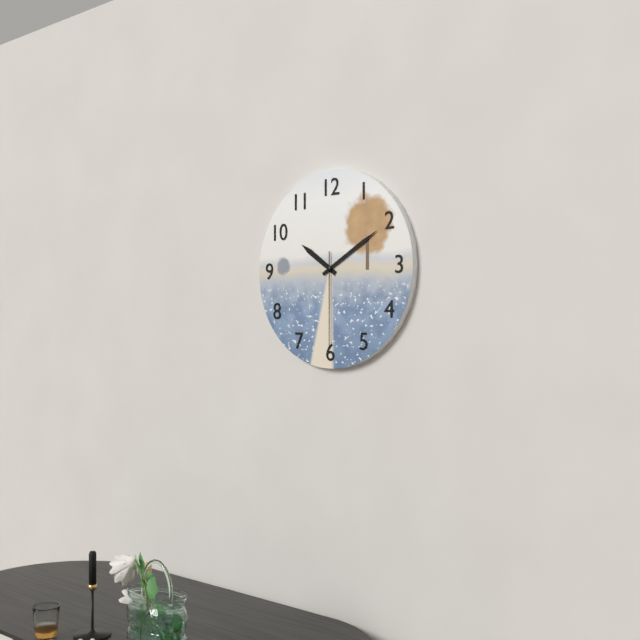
10:10:30
